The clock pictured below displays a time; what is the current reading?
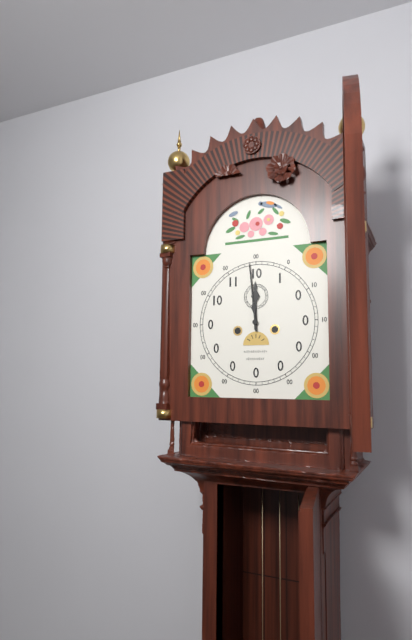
11:59
